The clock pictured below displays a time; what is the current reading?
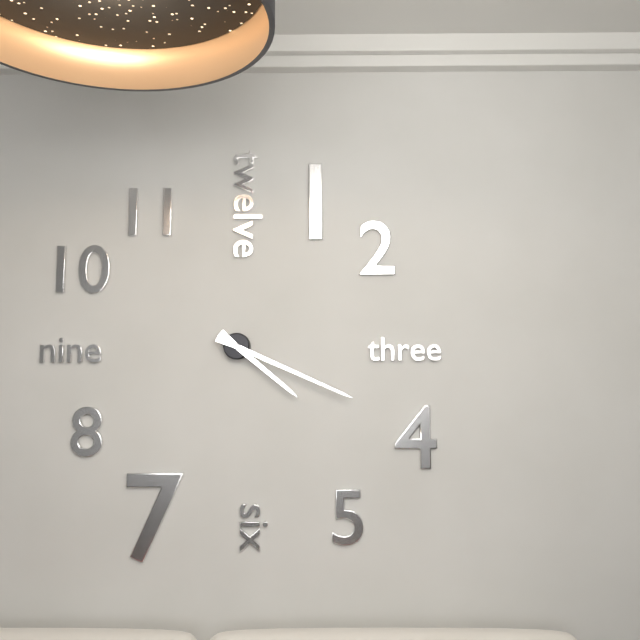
4:19
